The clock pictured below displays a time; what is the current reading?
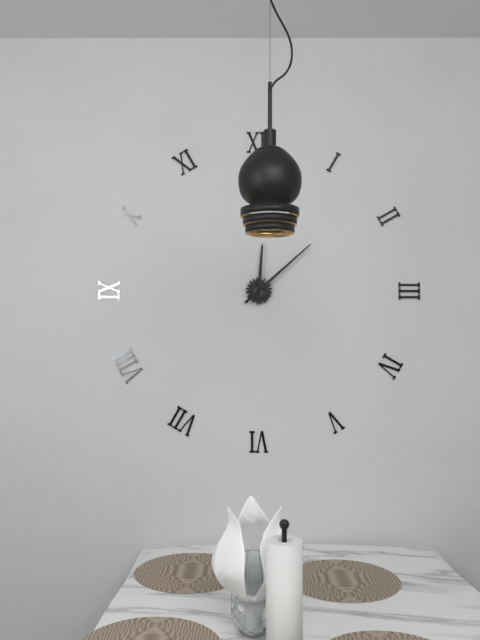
12:08
